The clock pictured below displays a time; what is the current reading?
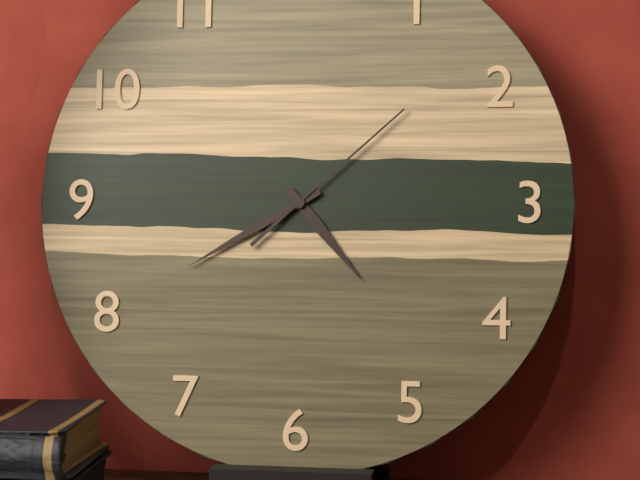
4:40:08
